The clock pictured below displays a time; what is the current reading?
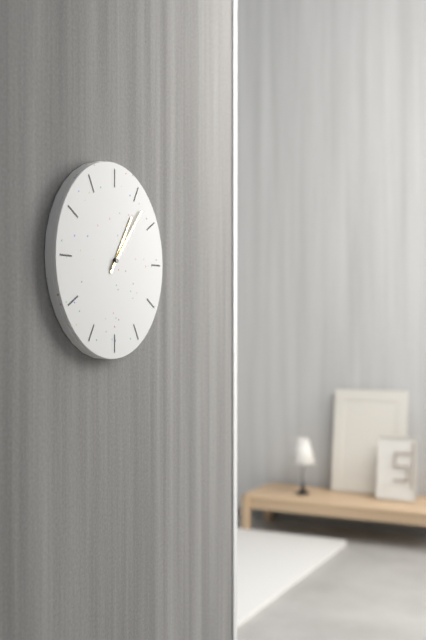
1:07
